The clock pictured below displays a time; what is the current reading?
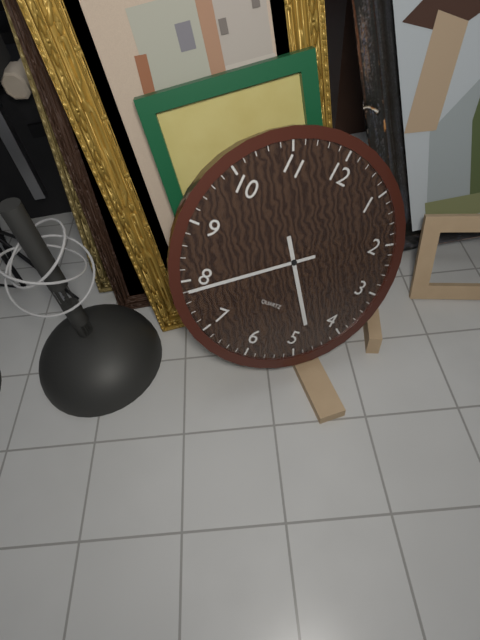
4:39
